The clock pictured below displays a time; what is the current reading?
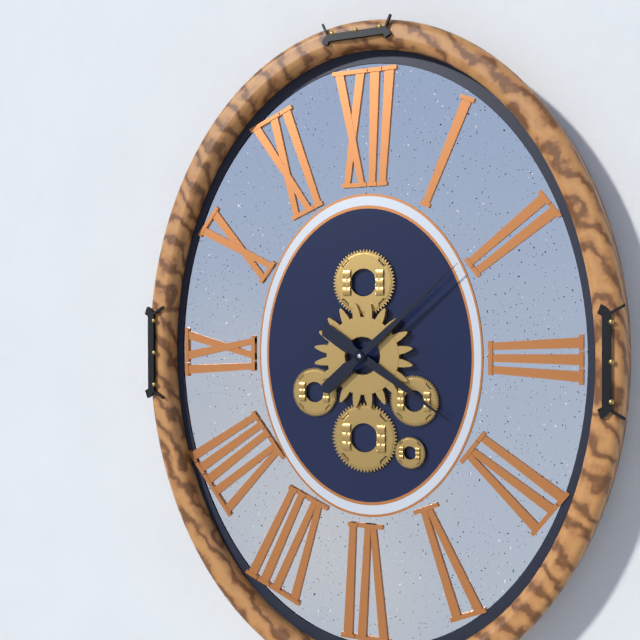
4:08
